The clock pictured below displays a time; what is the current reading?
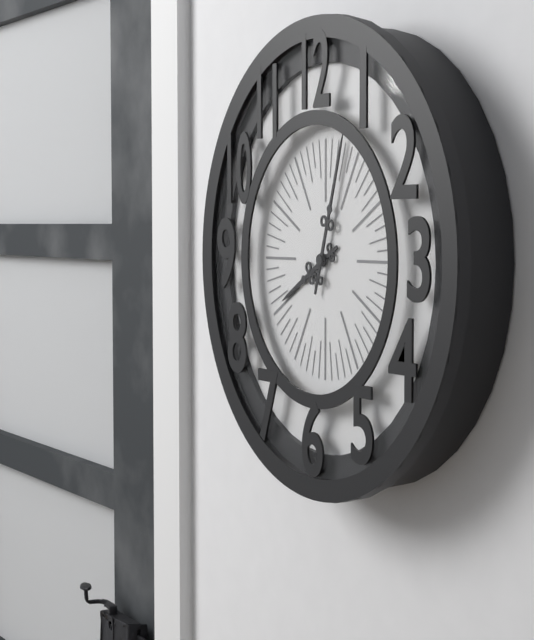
8:03
